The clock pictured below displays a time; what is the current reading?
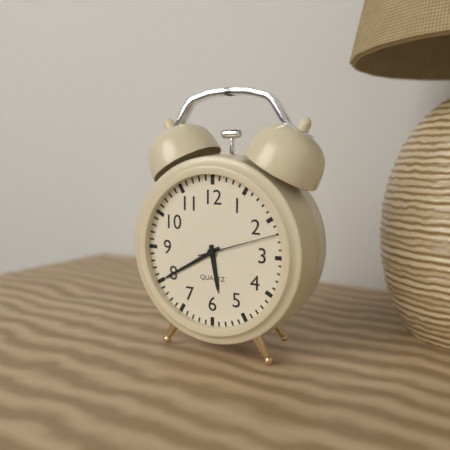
5:40:12
